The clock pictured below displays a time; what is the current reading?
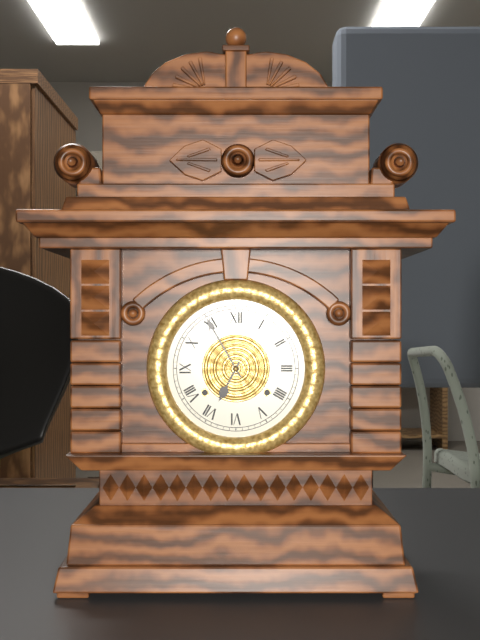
6:55
